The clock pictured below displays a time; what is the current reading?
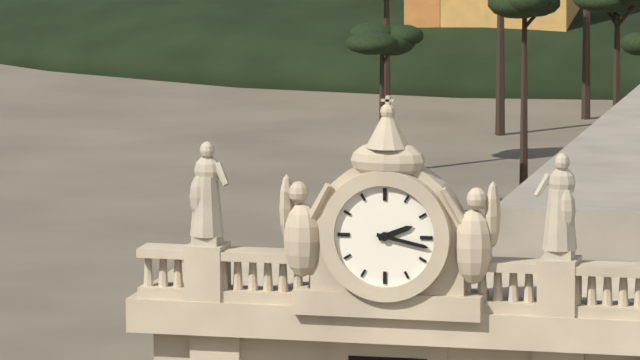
2:17
